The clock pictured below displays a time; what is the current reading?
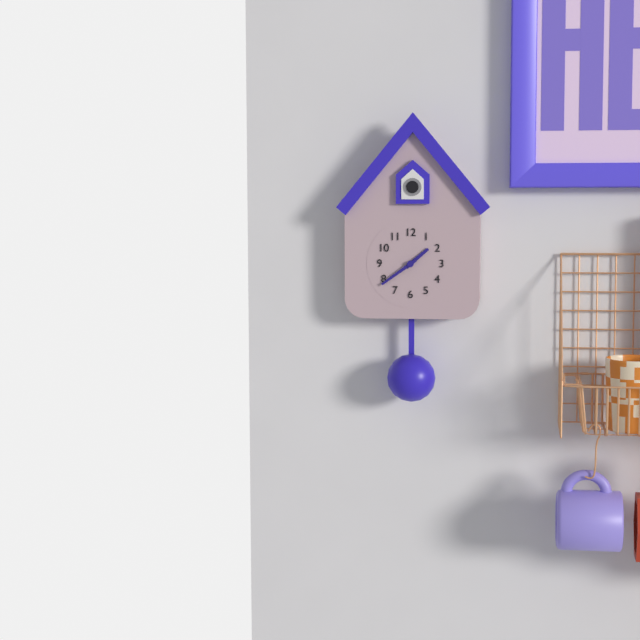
1:39
